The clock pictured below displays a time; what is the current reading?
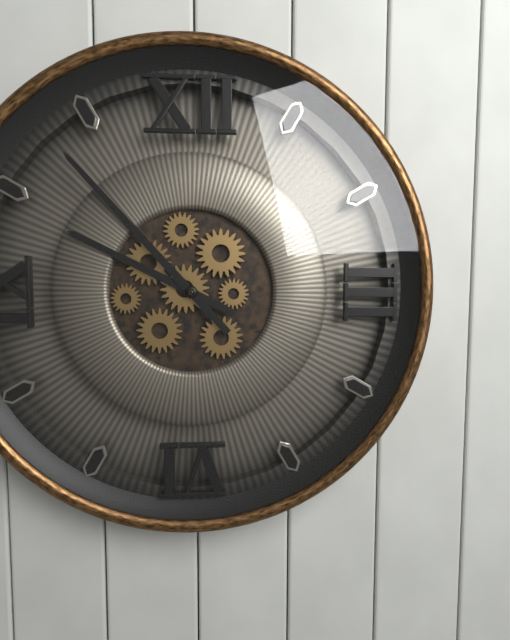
9:53
